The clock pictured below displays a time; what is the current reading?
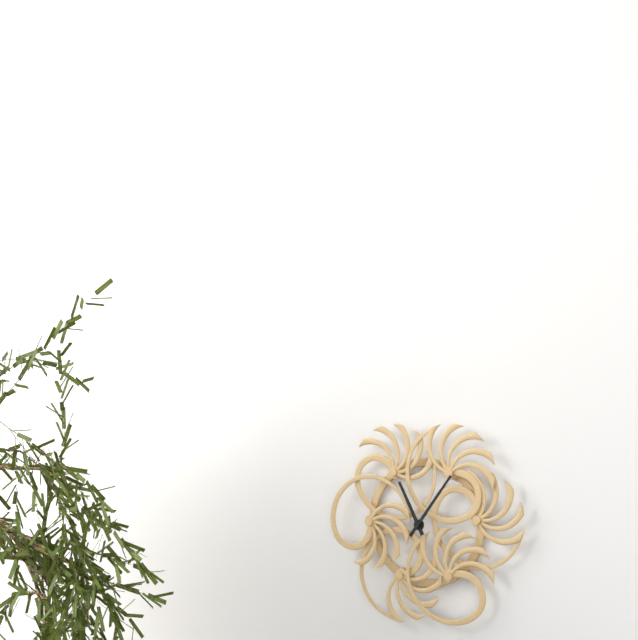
11:06
